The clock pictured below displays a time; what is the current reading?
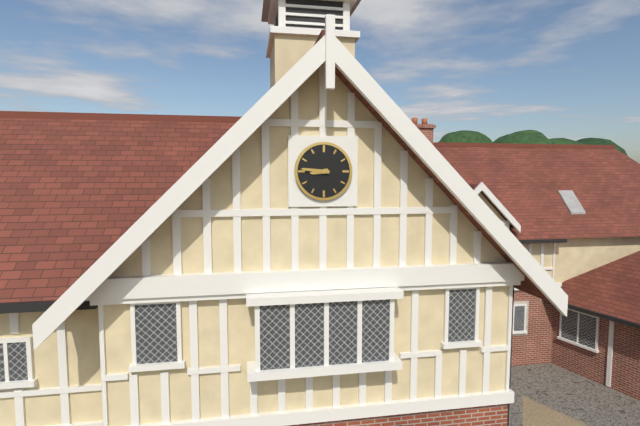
8:46
